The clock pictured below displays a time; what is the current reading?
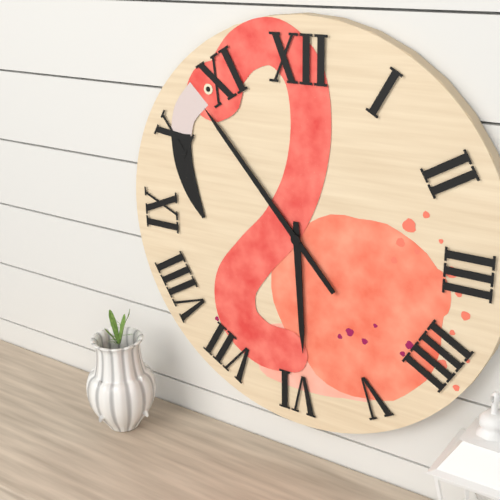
5:53
